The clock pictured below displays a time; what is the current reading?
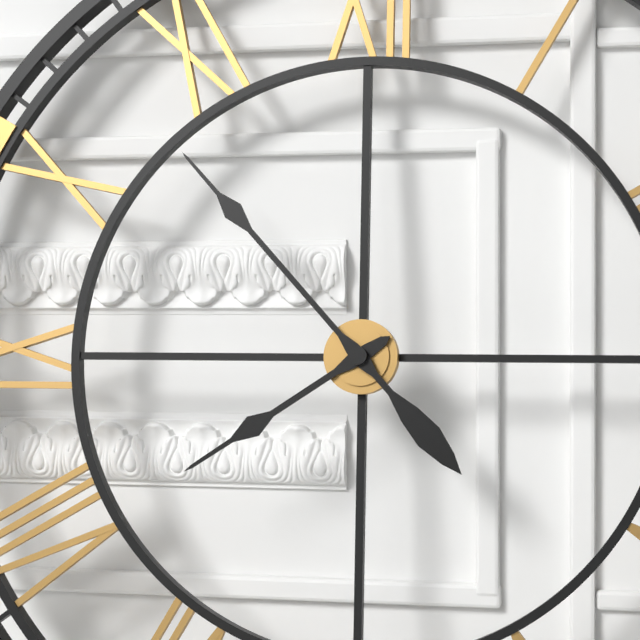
7:53
